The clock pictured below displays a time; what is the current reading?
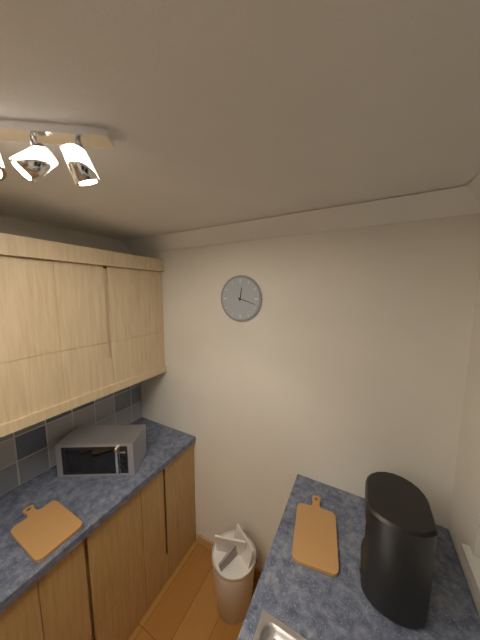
12:18
